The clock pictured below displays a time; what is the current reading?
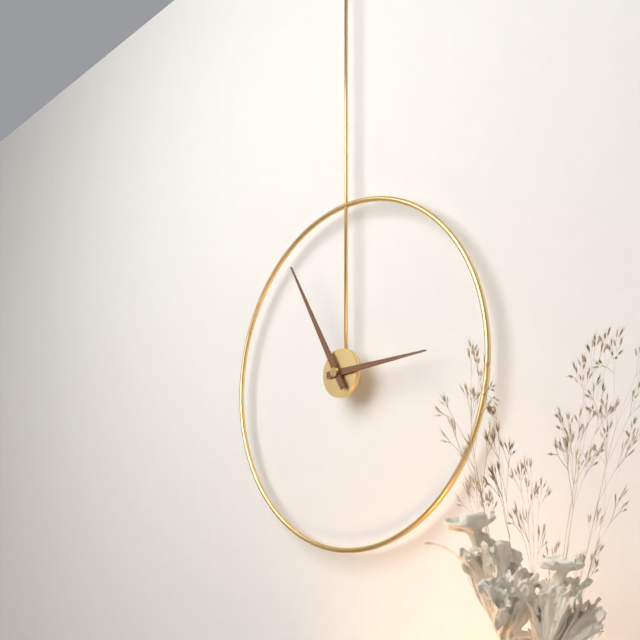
2:55
